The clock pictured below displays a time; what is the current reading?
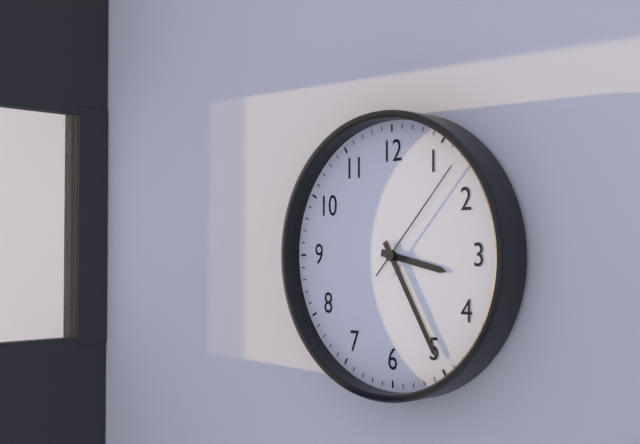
3:25:07
